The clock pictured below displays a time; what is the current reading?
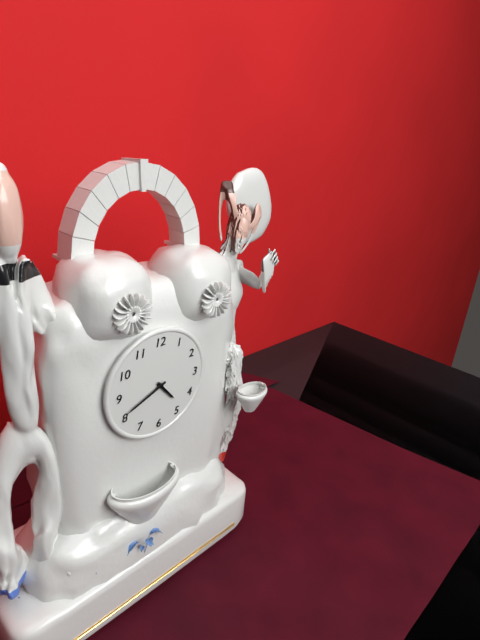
4:41
